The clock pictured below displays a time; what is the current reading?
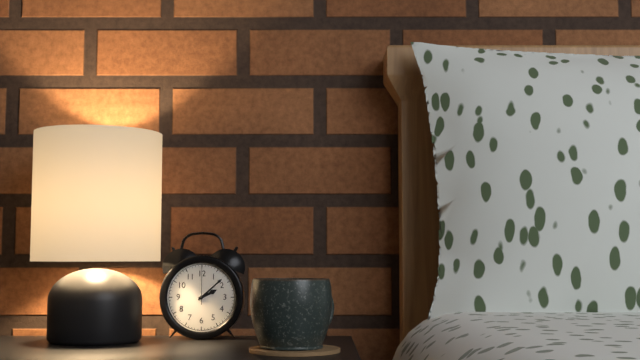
2:08
